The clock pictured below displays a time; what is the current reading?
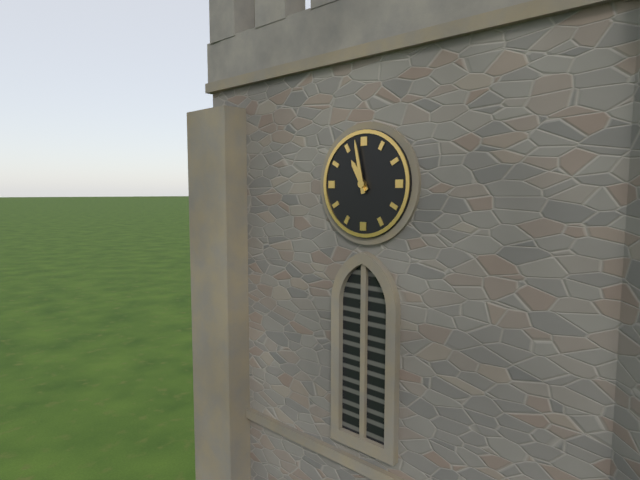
10:58
